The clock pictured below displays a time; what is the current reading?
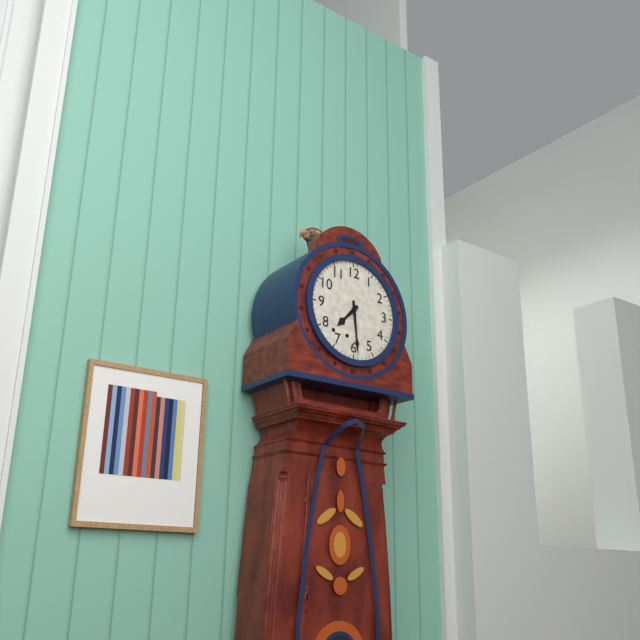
7:29
